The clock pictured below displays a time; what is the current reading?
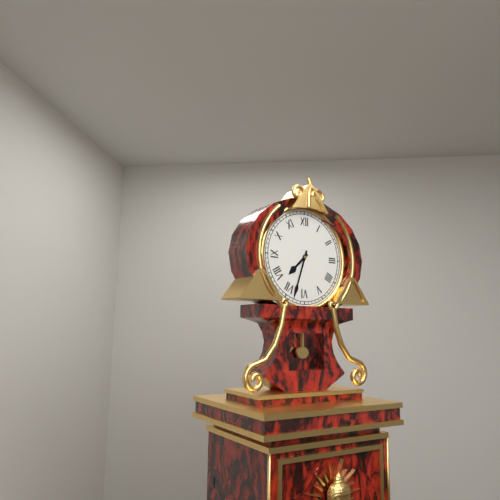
7:33
